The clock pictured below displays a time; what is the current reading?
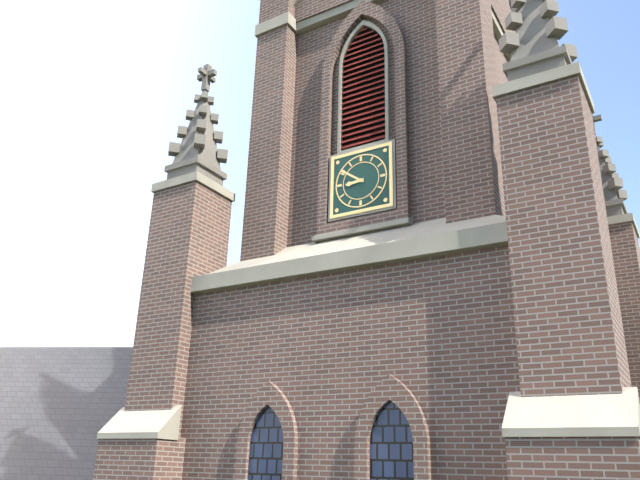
8:51
